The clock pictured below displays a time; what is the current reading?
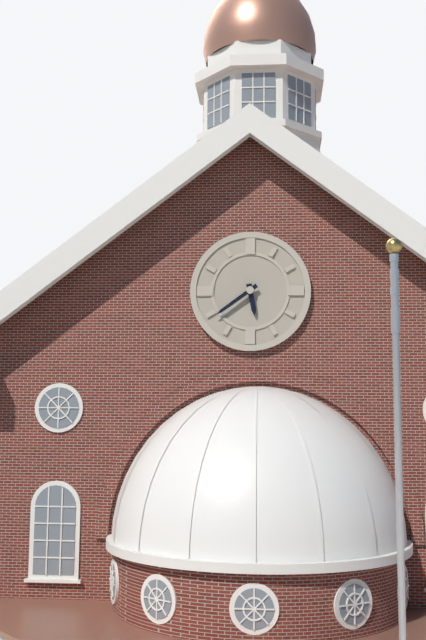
5:39
